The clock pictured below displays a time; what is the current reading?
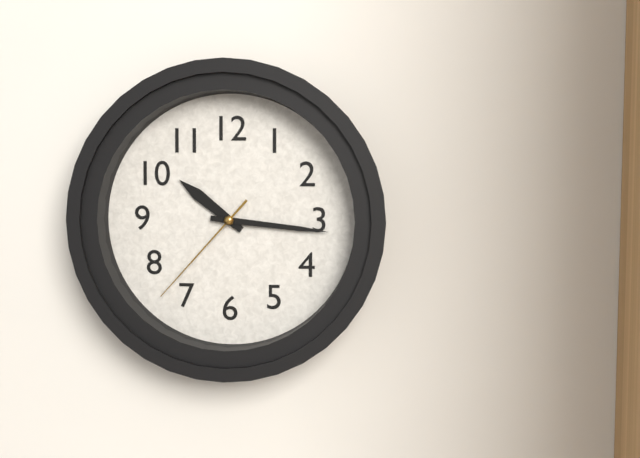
10:16:37
